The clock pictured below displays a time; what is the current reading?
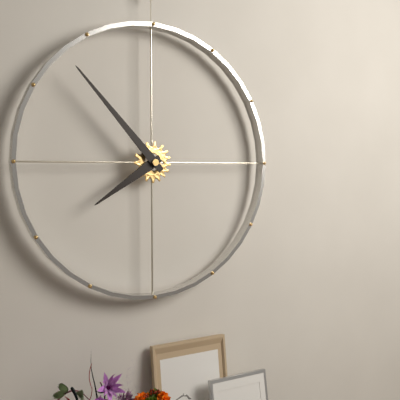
7:53
